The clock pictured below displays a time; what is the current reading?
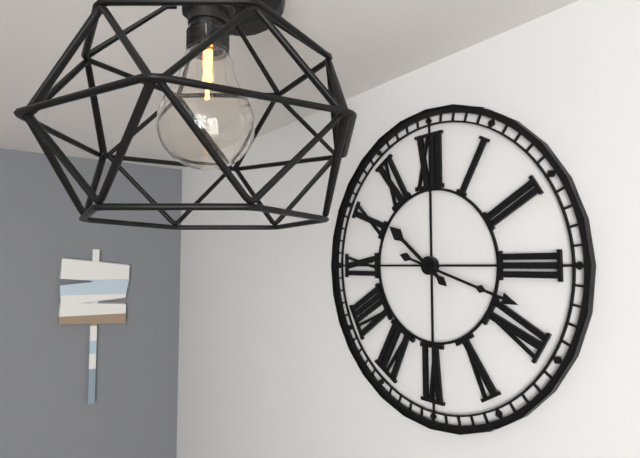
10:18
